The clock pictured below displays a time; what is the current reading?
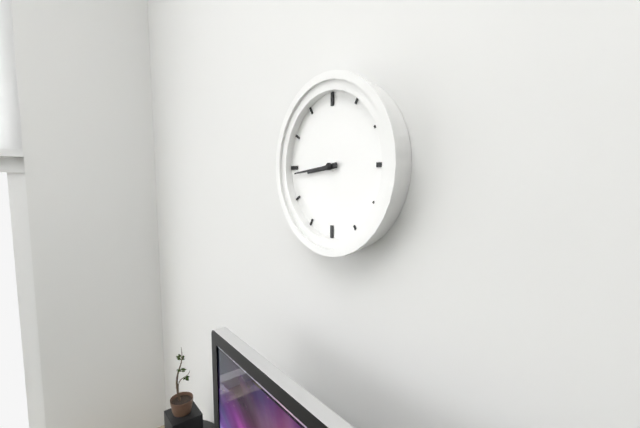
8:44
